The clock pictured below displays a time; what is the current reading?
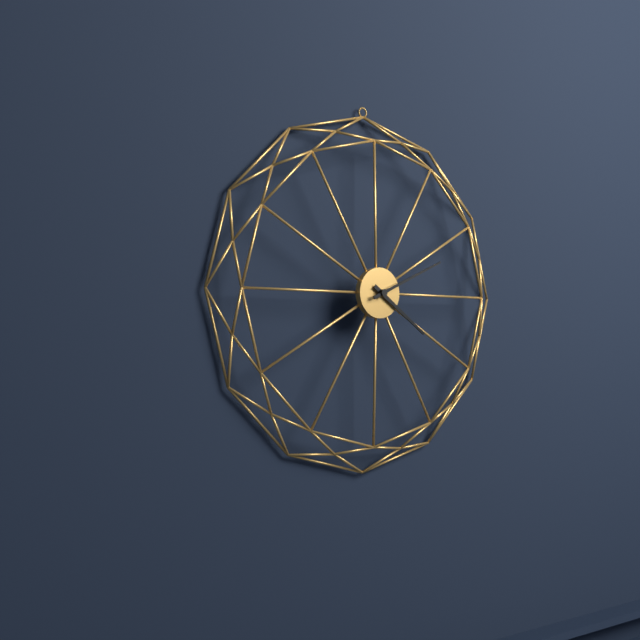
4:11
